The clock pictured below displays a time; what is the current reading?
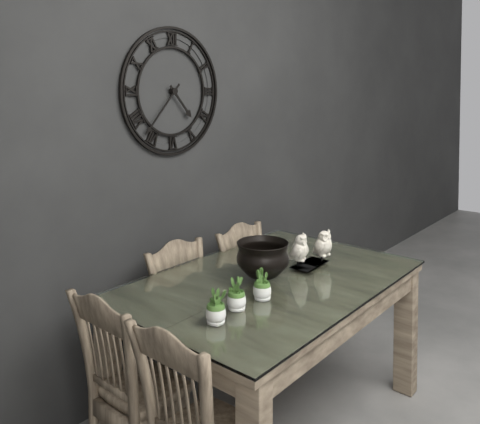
4:37
